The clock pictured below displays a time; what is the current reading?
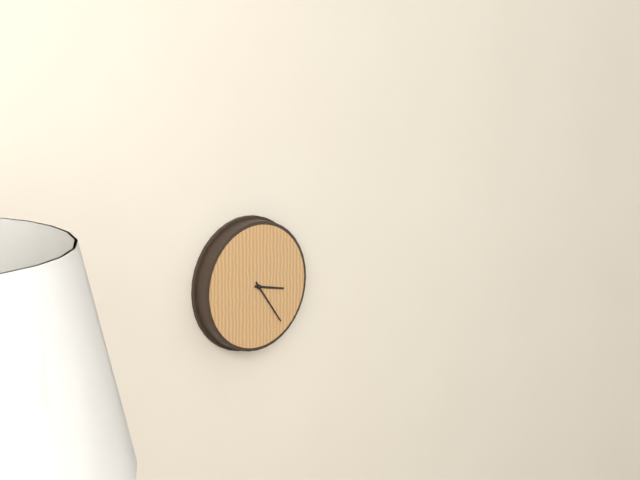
3:24
